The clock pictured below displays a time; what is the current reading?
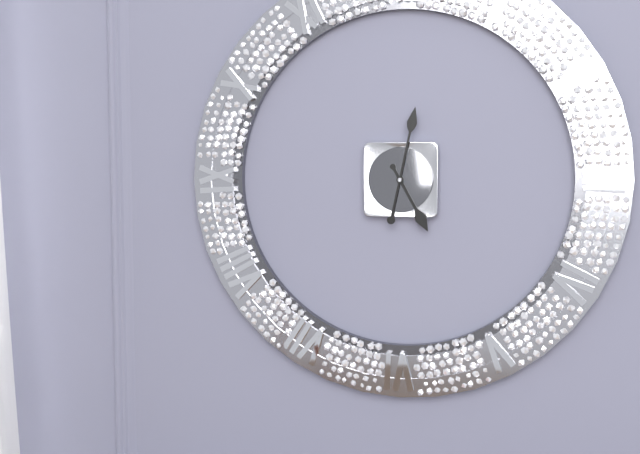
5:02
